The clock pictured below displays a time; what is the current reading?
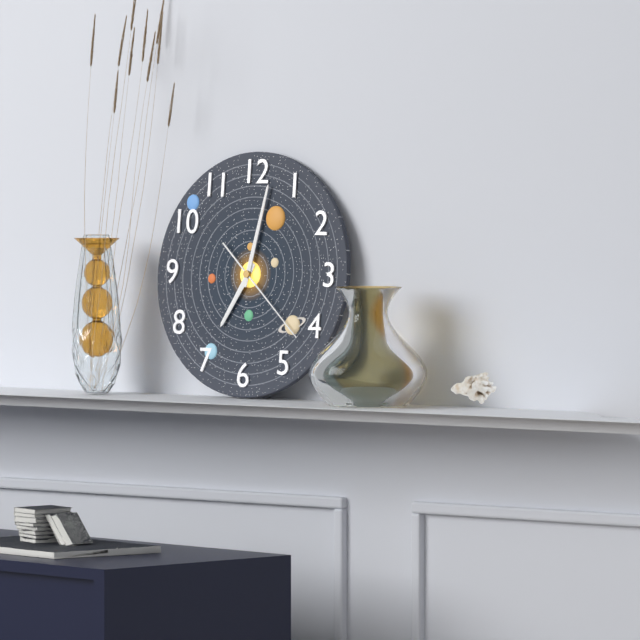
7:02:22
